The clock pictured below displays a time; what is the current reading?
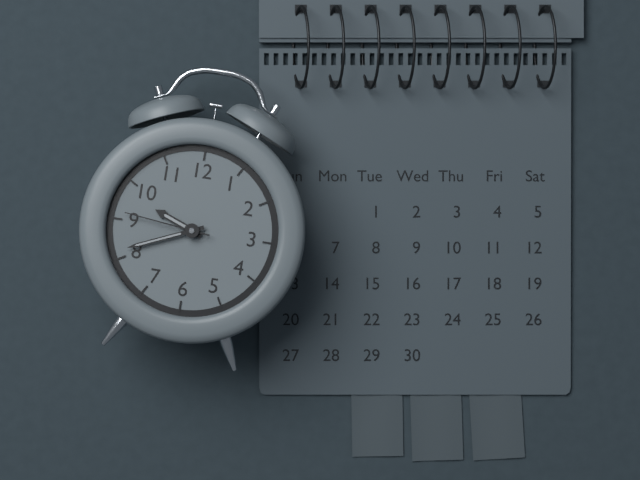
9:41:46
